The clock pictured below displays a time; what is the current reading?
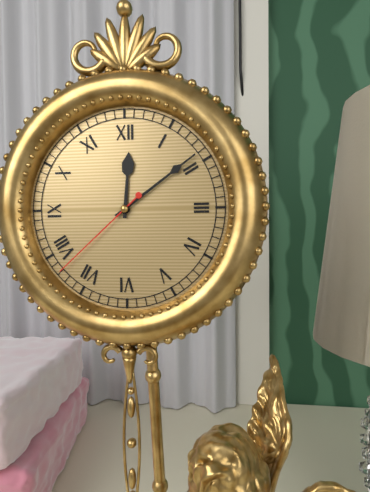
12:09:38
